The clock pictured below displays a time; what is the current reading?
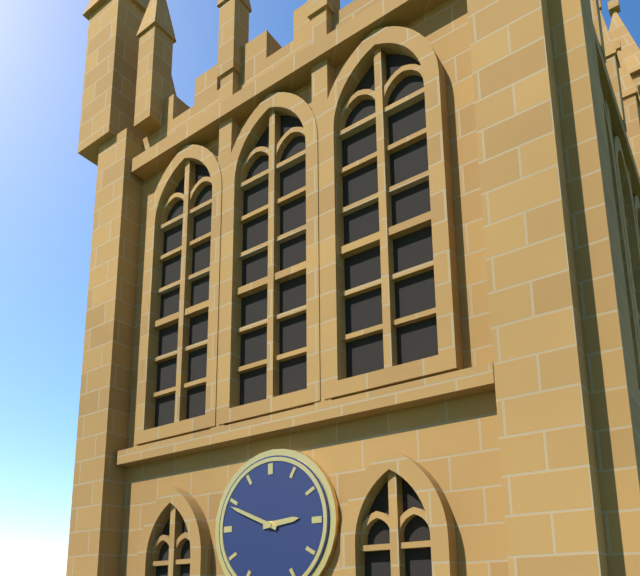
2:49
